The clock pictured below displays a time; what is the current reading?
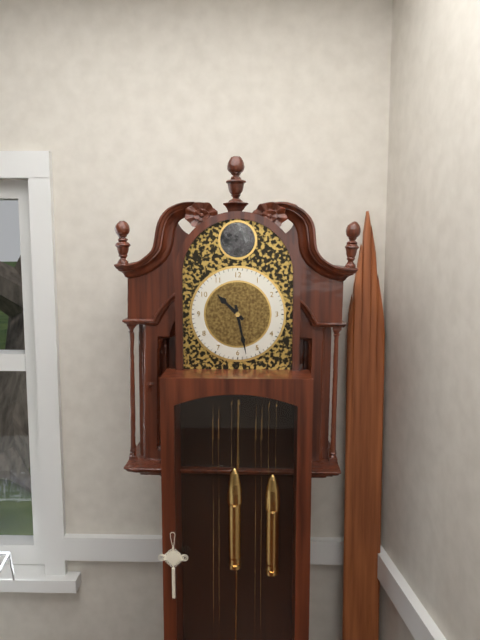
10:28
